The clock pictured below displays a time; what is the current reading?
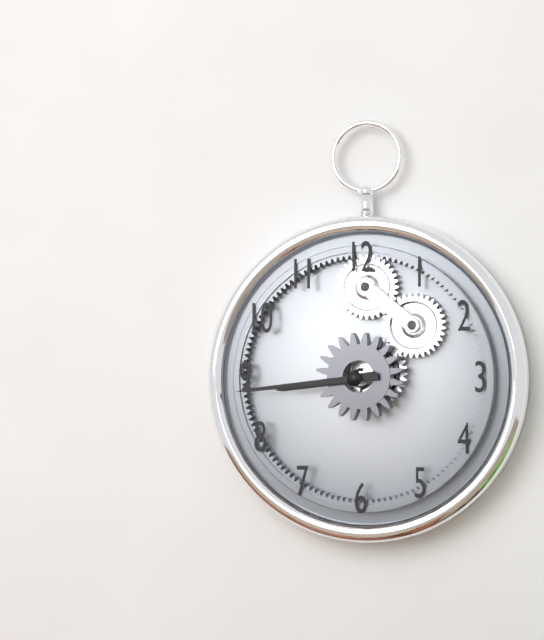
8:44
